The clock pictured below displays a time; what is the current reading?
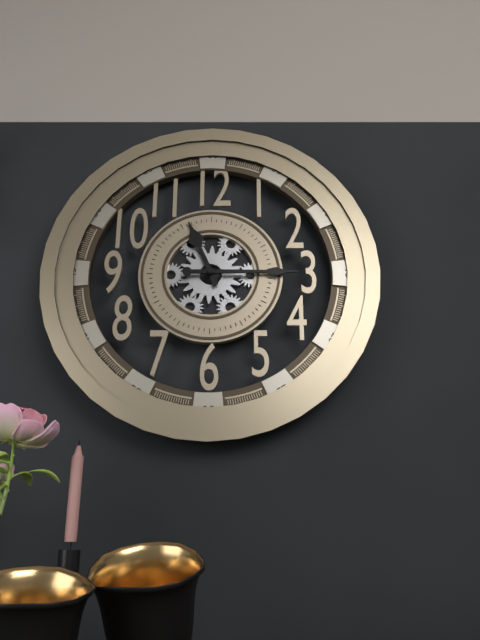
11:15
